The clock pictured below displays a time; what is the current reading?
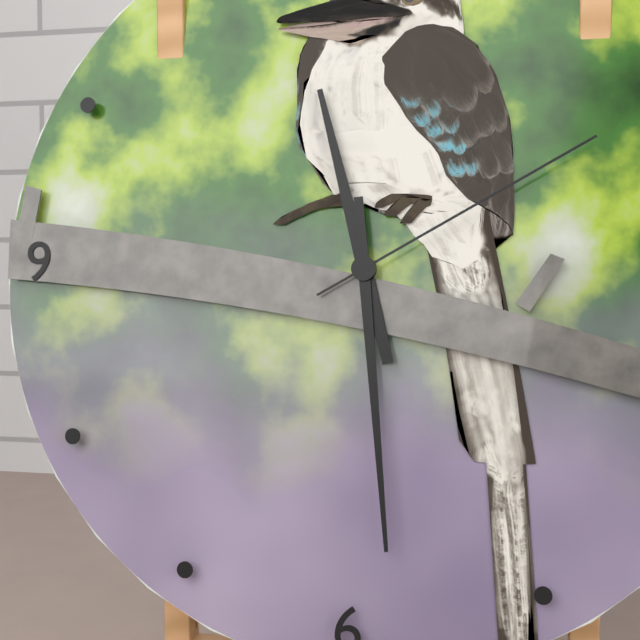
11:29:10
